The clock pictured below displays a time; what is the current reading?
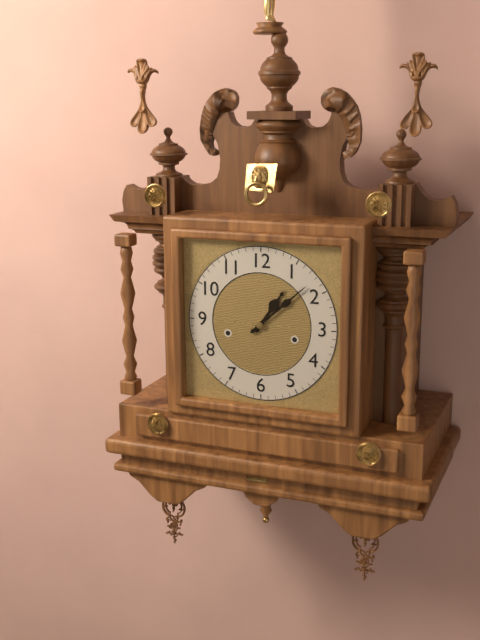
1:08
